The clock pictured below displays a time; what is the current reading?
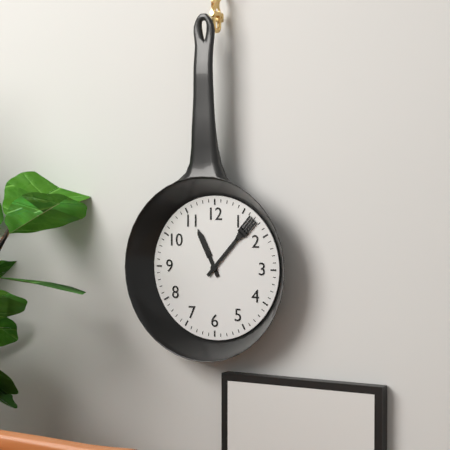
11:07
